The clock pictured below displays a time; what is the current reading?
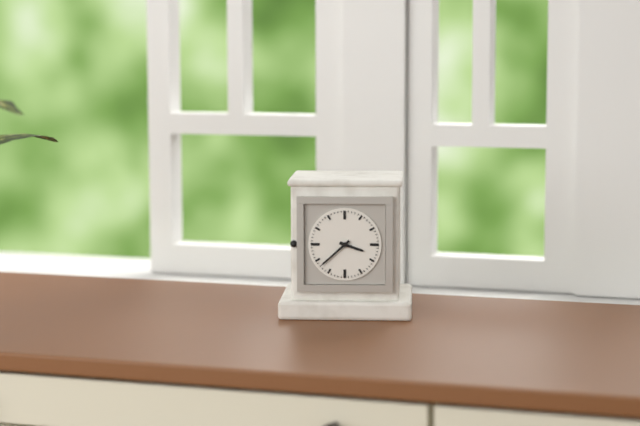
3:38
